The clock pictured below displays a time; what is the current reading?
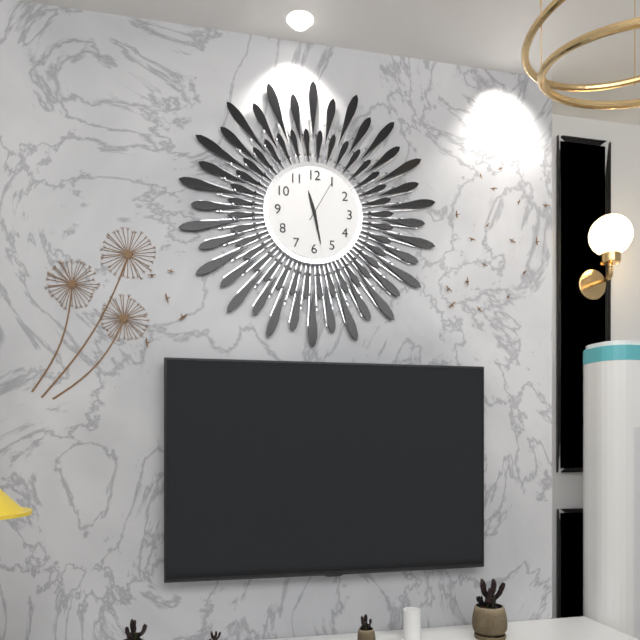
11:28:05
